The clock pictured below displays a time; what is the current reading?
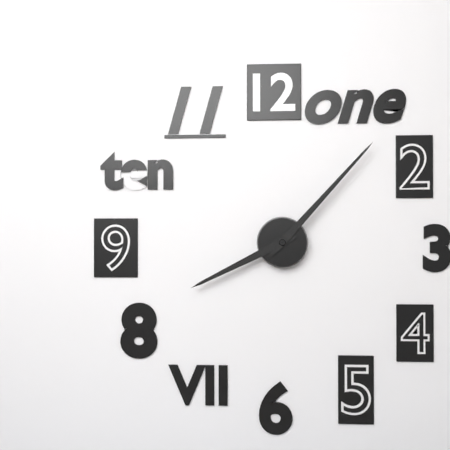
8:07
